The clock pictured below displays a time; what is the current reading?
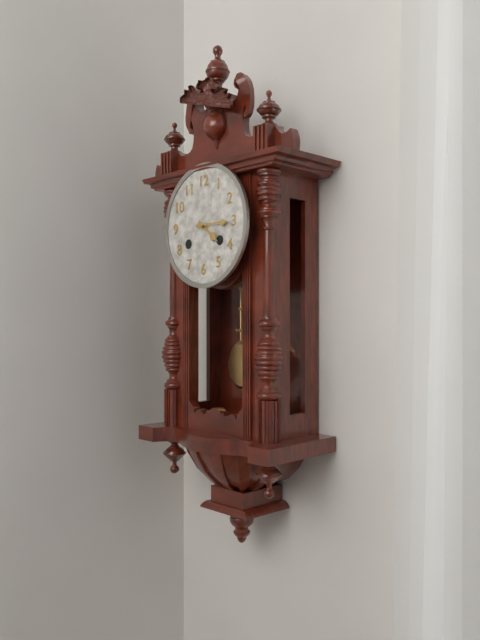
4:15
